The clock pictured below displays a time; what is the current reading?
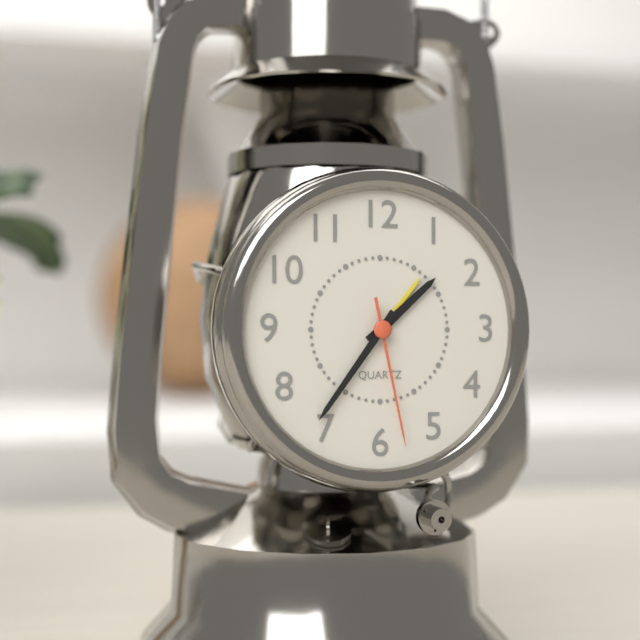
1:36:28
